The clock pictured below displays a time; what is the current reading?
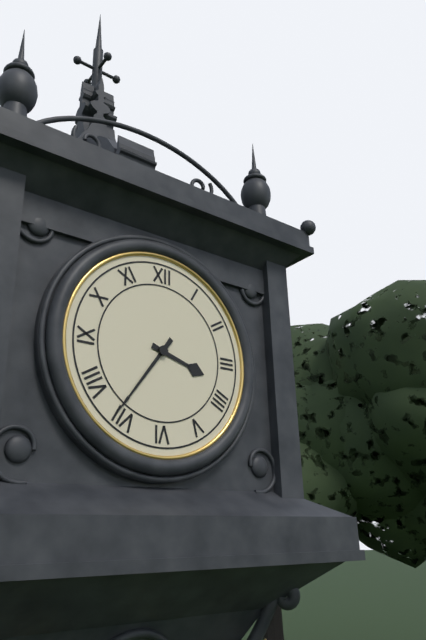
3:36
